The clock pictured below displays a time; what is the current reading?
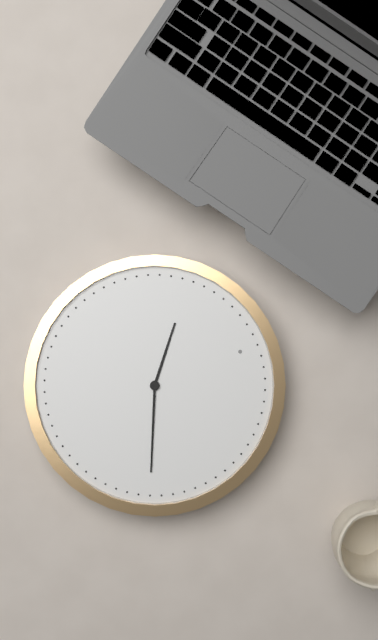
10:19
